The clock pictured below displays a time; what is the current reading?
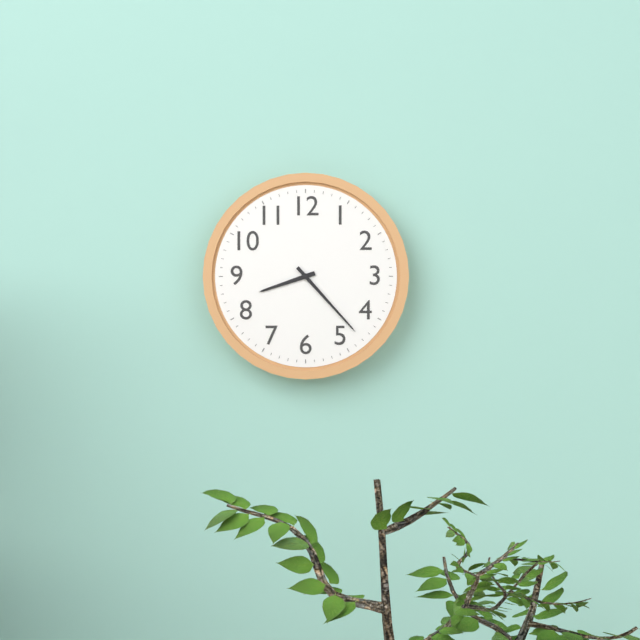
8:23
